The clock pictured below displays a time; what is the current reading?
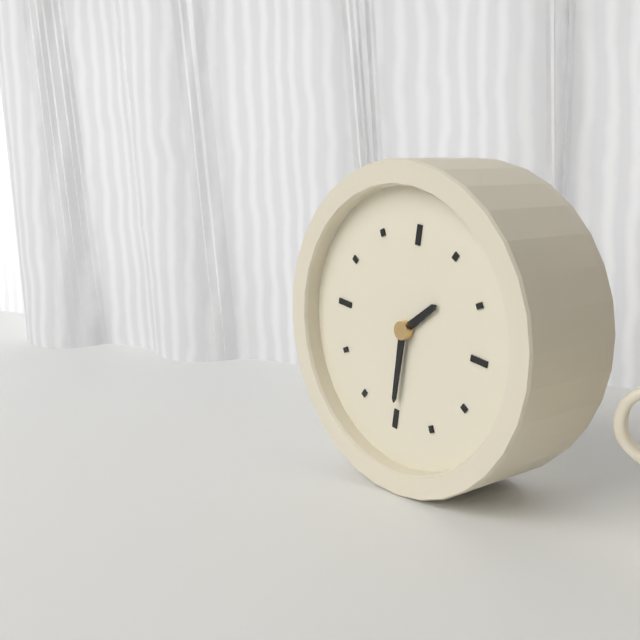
1:30
